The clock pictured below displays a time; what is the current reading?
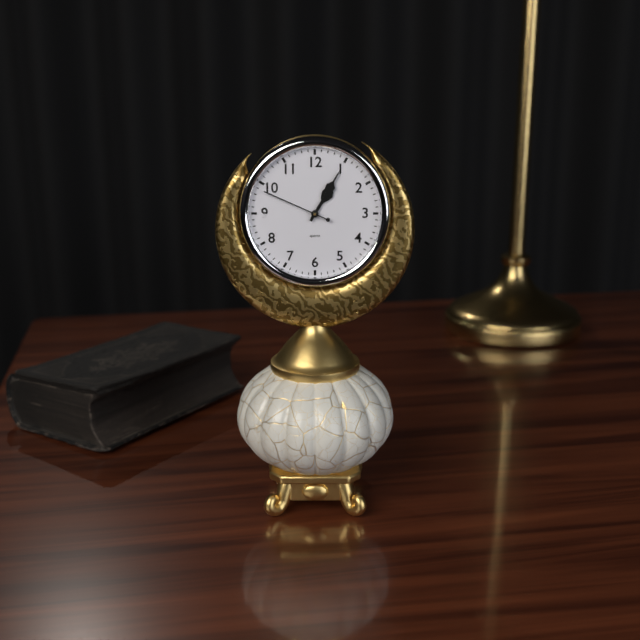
1:05:49
